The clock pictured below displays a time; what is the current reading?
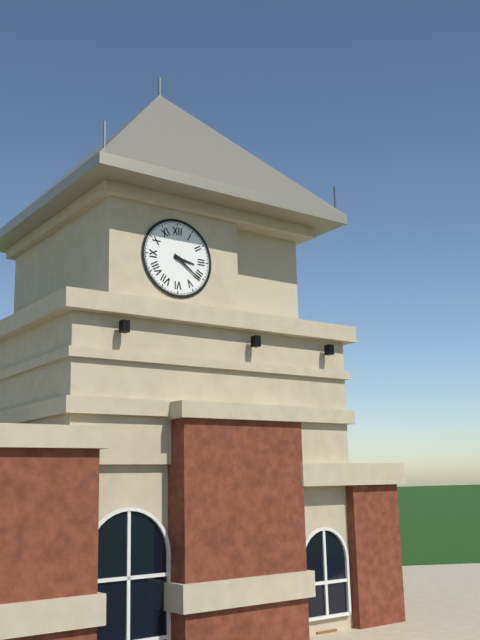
3:21
